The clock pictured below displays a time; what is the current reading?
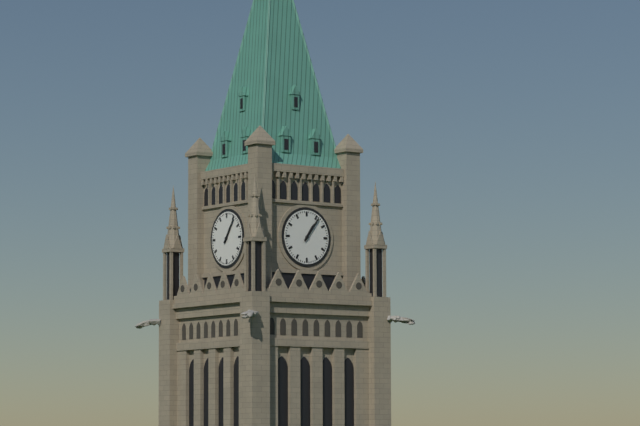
1:06
